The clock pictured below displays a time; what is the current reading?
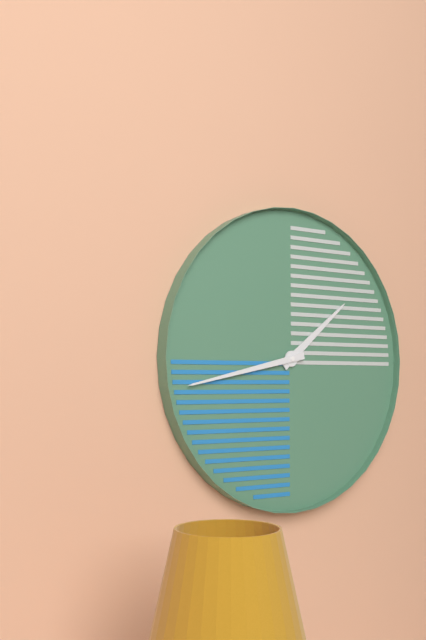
1:43
